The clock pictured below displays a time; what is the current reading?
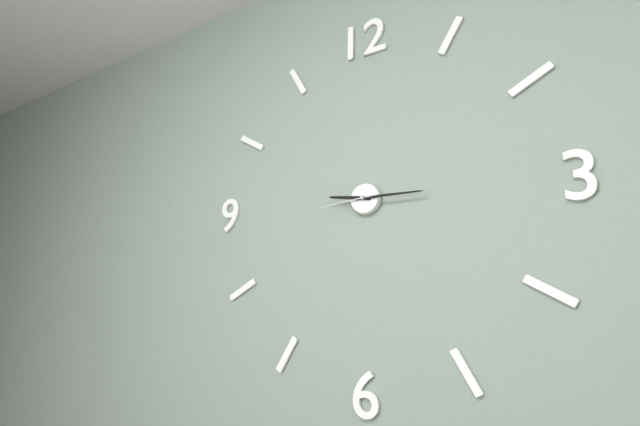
9:15:44
